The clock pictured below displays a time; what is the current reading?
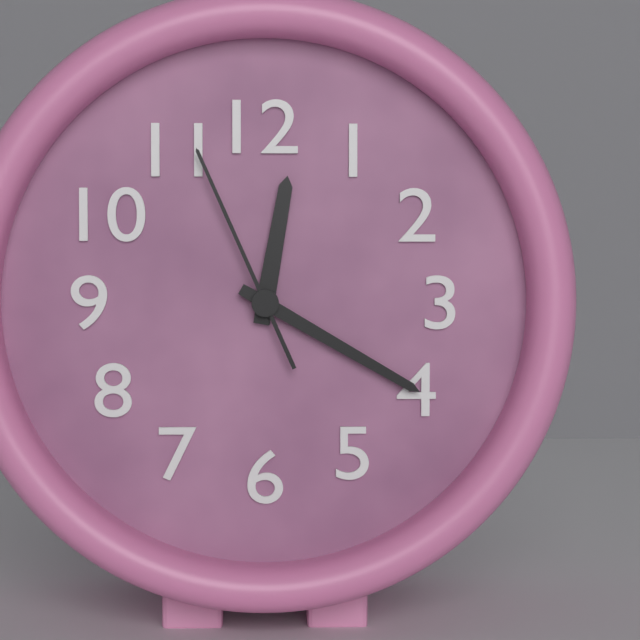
12:20:56
